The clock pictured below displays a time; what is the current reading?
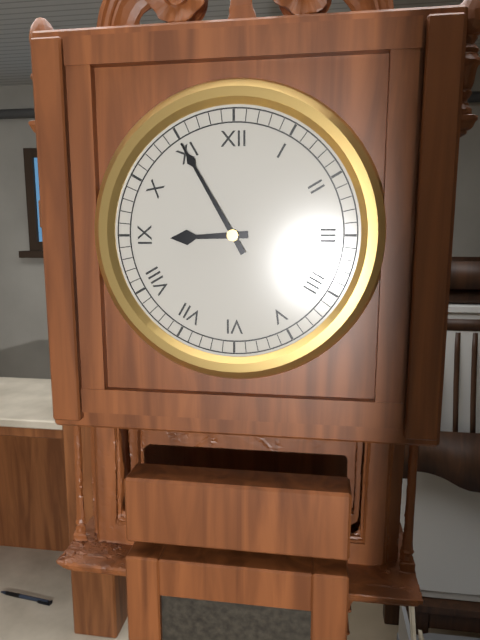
8:55
